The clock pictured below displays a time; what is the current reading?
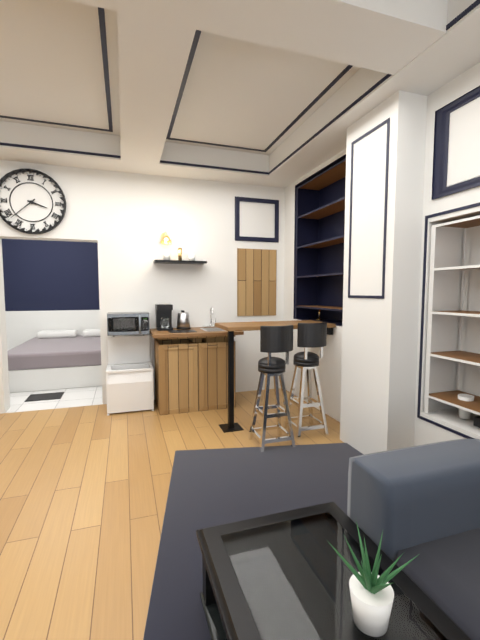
3:38
